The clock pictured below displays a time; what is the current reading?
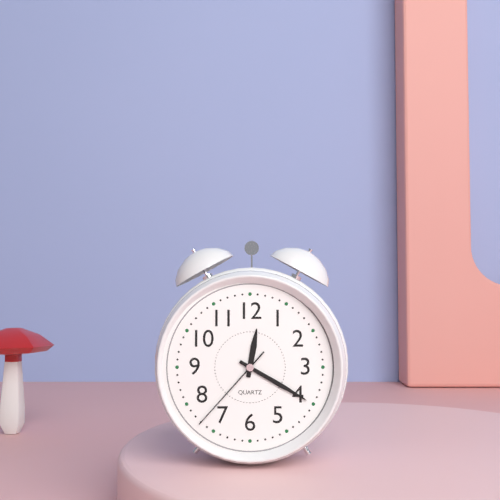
12:20:37
